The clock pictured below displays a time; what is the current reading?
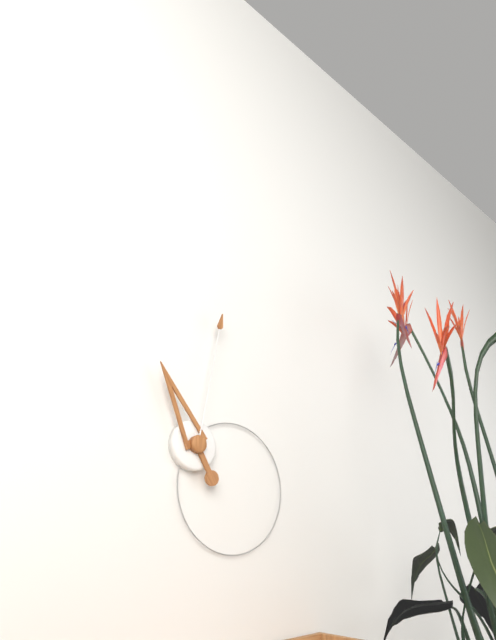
11:02
